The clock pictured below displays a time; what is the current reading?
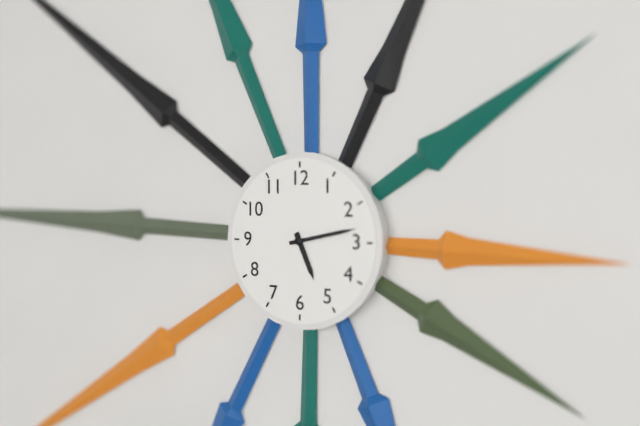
5:13
